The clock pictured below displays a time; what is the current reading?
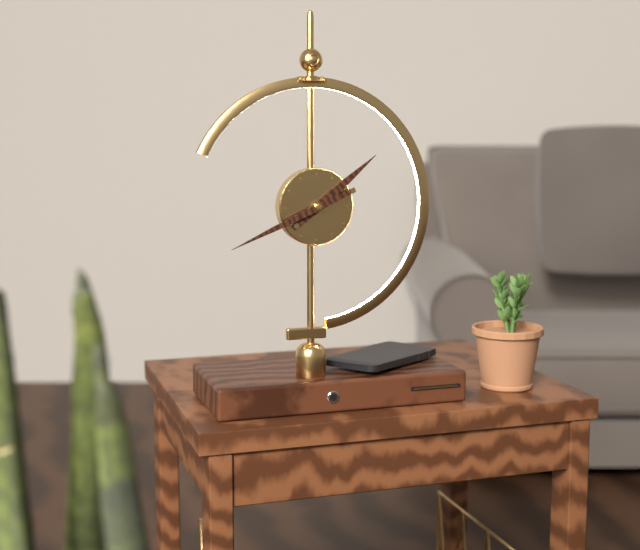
1:41
